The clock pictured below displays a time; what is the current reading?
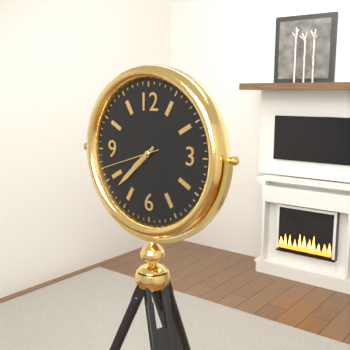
7:38:42
